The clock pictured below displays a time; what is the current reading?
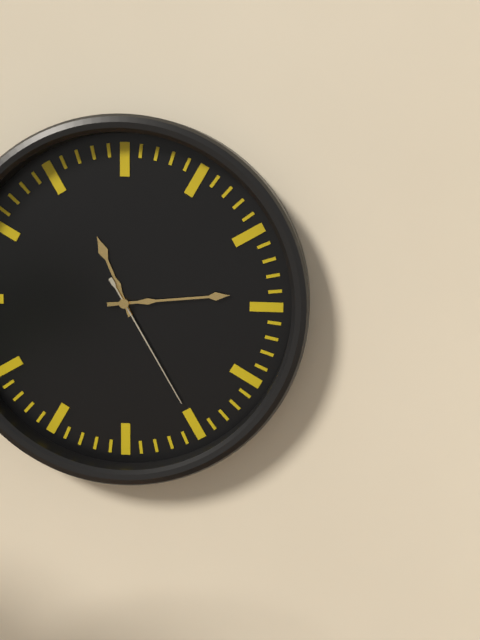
11:14:25
